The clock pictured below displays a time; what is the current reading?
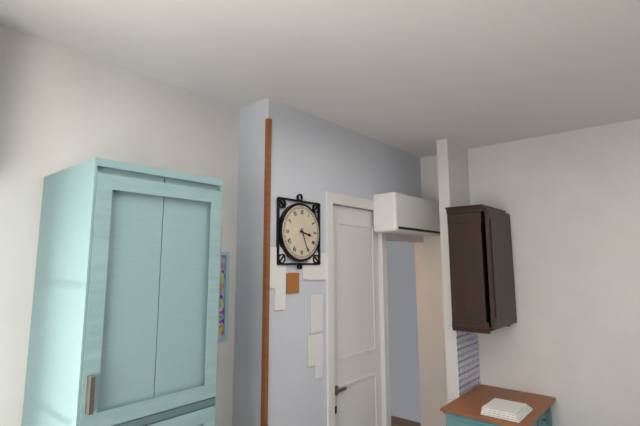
3:26
